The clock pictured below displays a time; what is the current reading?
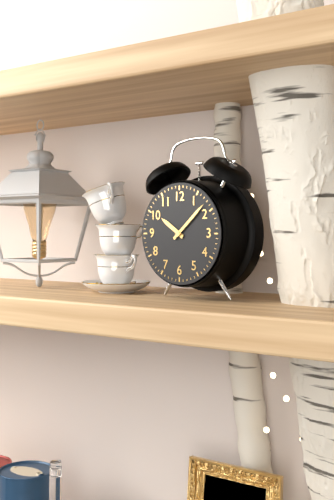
10:08
